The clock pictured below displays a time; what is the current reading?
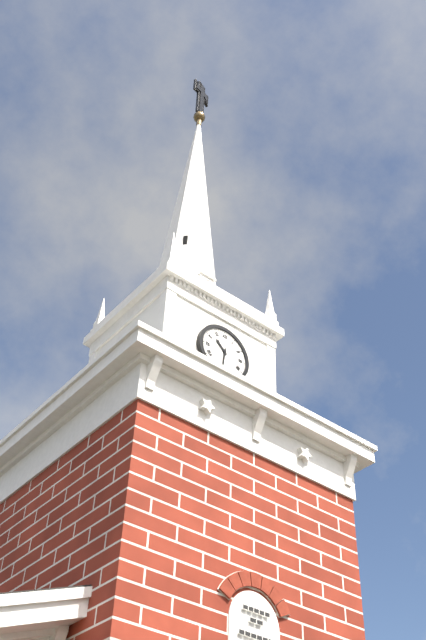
10:31
